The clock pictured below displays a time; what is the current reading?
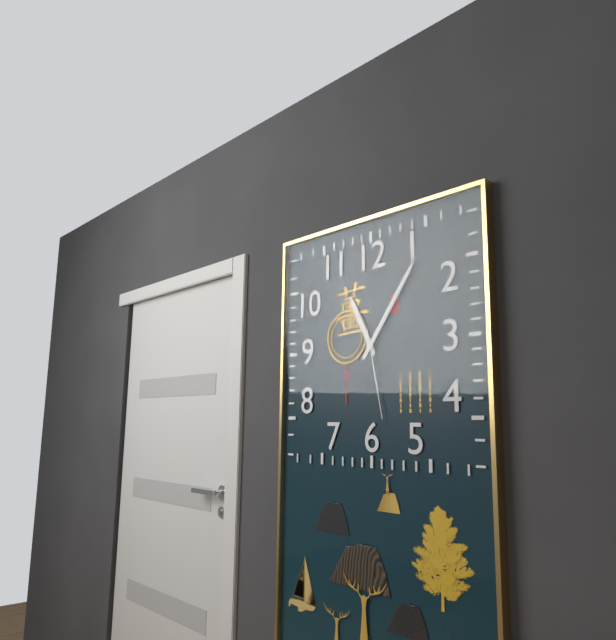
11:06:28
